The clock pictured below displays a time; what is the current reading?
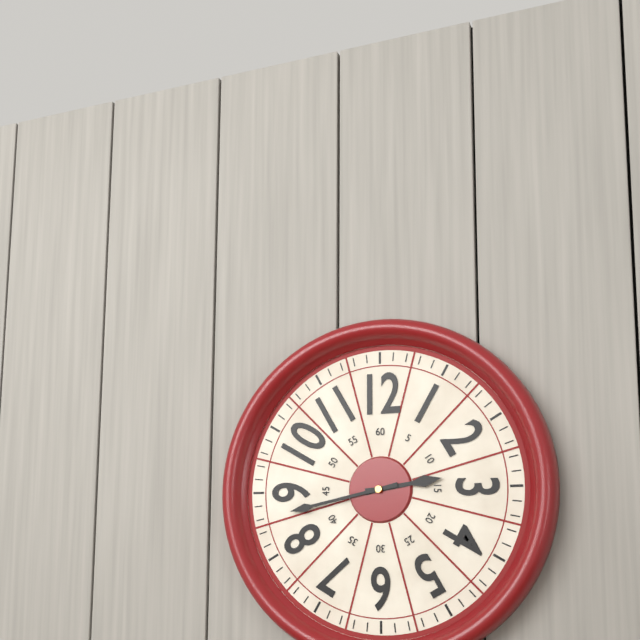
2:43
